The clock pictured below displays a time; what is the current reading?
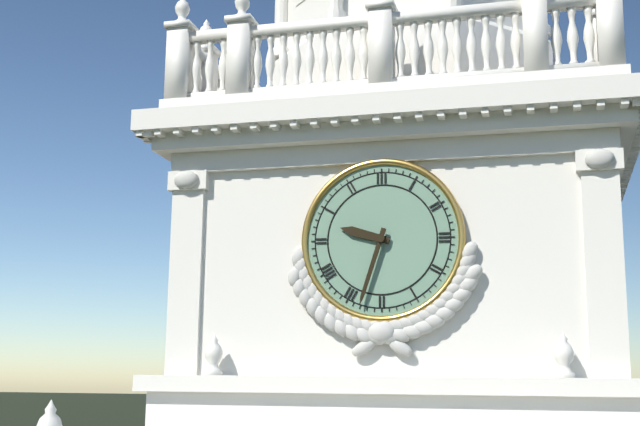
9:33
